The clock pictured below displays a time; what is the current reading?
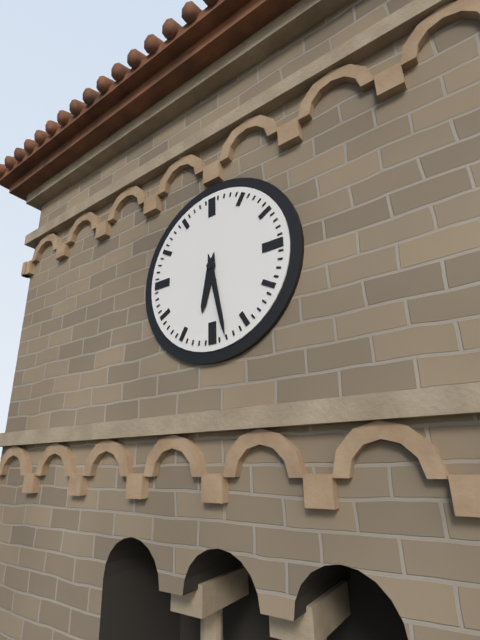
6:28
